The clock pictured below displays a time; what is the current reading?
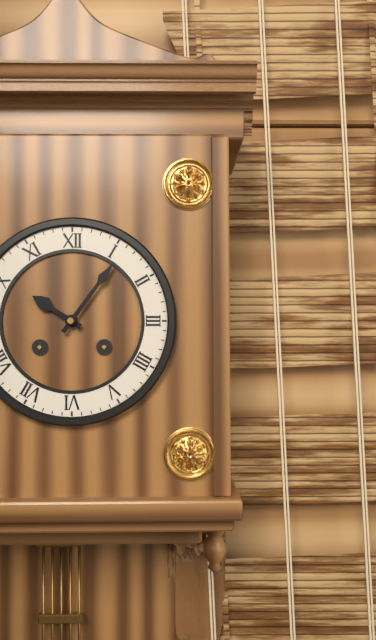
10:06
